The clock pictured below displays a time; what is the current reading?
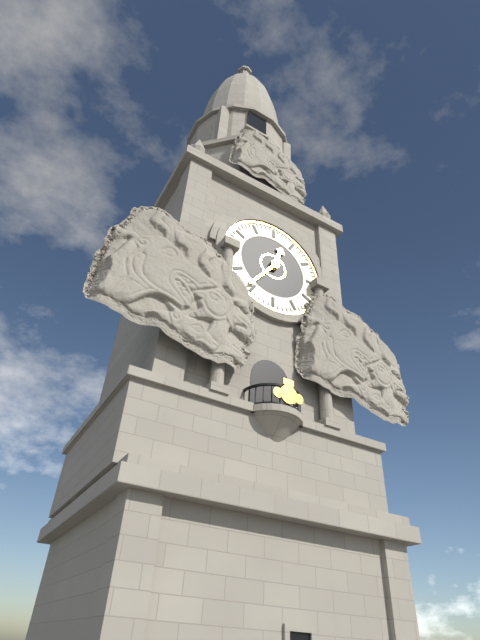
12:36
